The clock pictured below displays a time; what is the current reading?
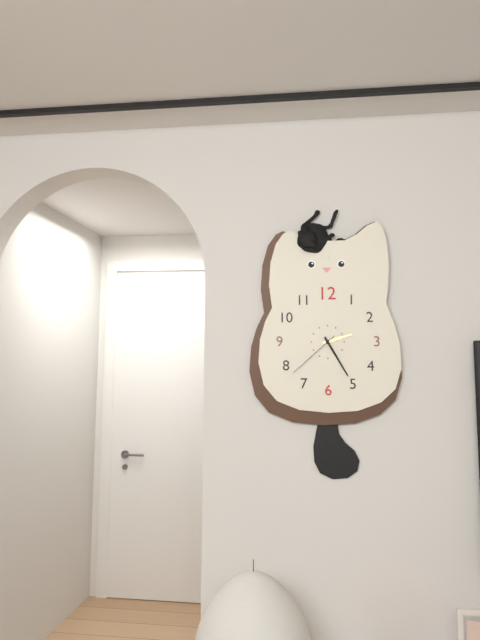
2:25:38
